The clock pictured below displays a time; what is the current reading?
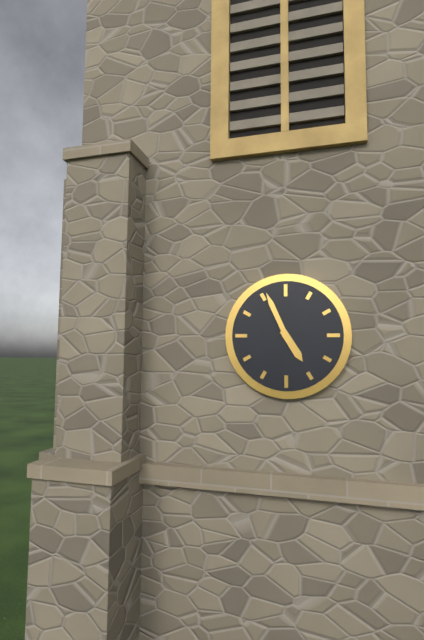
4:56
